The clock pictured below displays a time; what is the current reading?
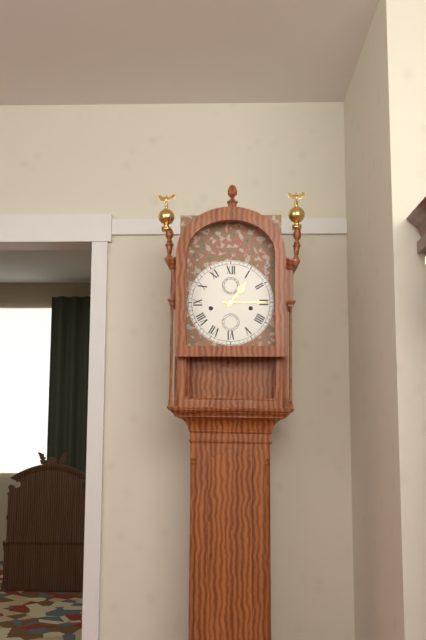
1:15
